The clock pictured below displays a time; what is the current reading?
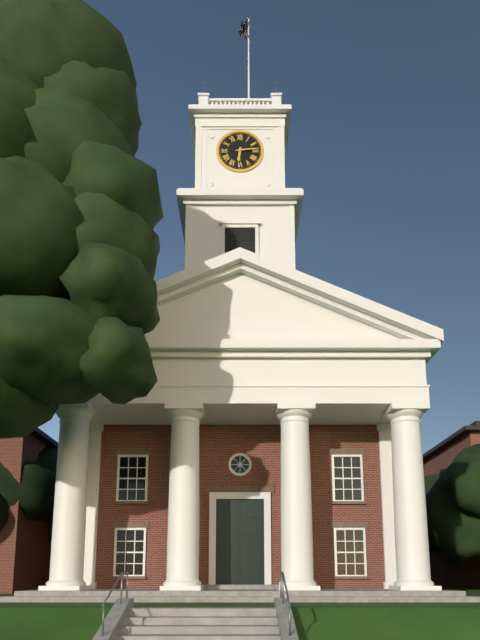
6:14
